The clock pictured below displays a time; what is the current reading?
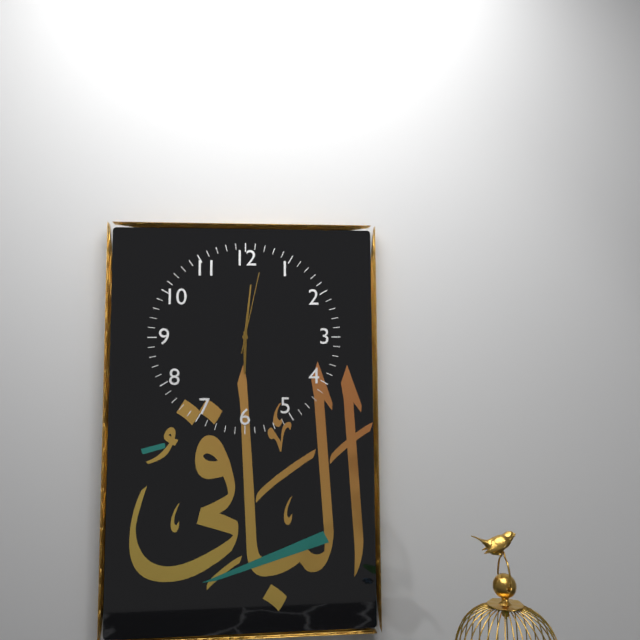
6:01:02
